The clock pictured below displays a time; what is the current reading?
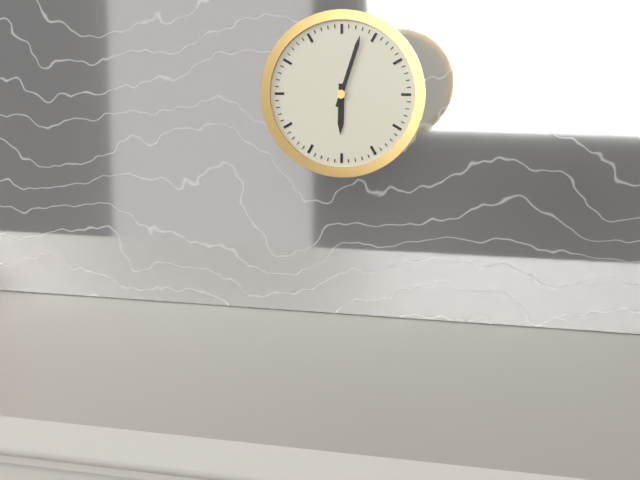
6:03
